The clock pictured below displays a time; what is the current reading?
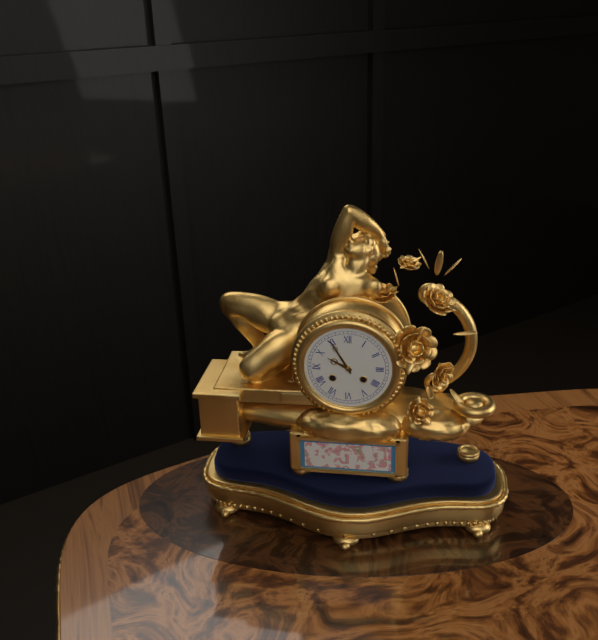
9:55
